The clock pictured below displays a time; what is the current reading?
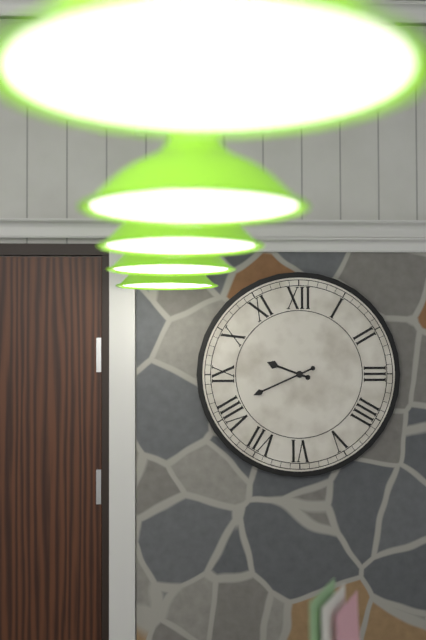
9:41
